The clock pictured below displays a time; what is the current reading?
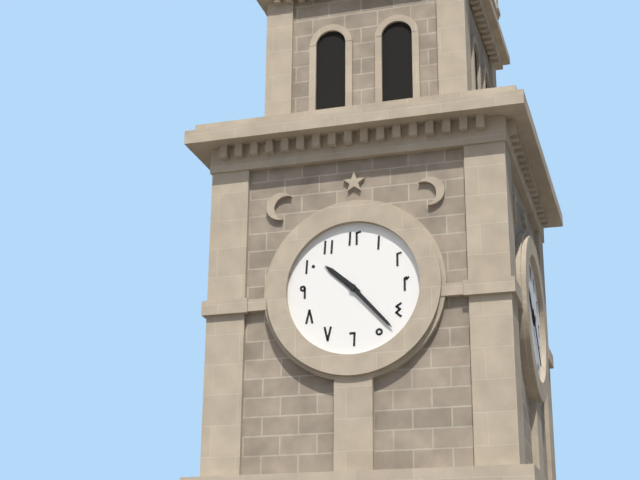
10:23
